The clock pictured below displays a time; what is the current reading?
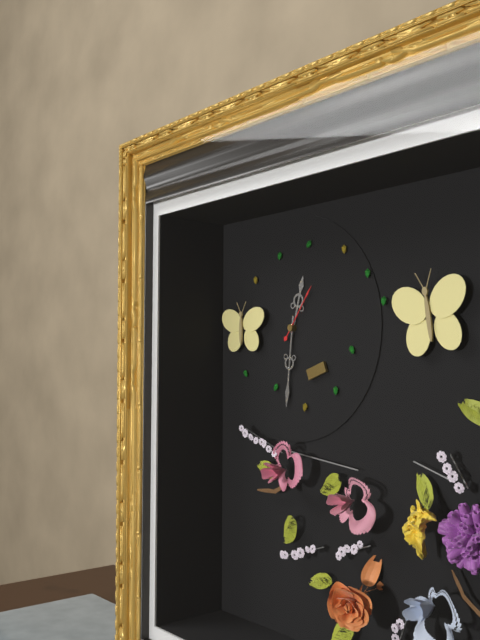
12:31:06
